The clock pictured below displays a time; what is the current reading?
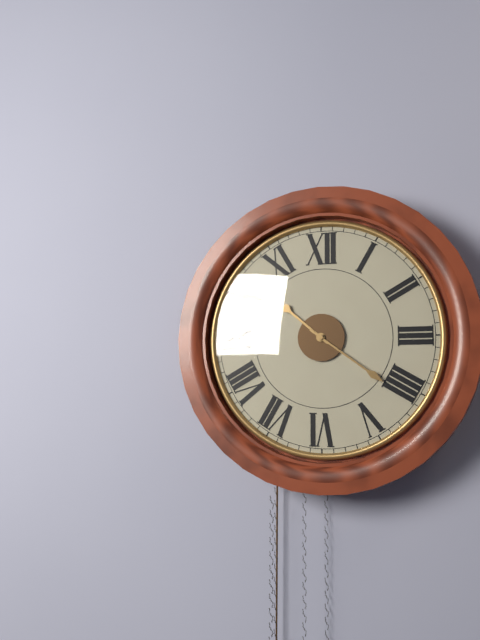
10:21
